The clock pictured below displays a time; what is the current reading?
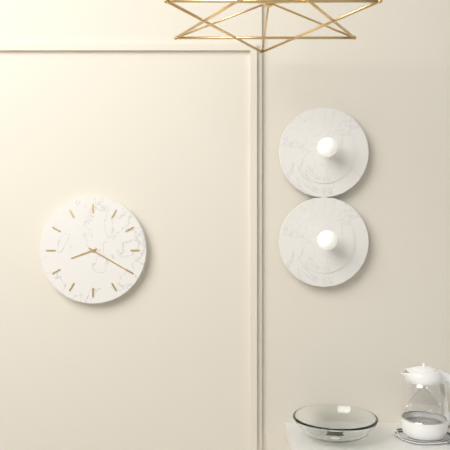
8:20
